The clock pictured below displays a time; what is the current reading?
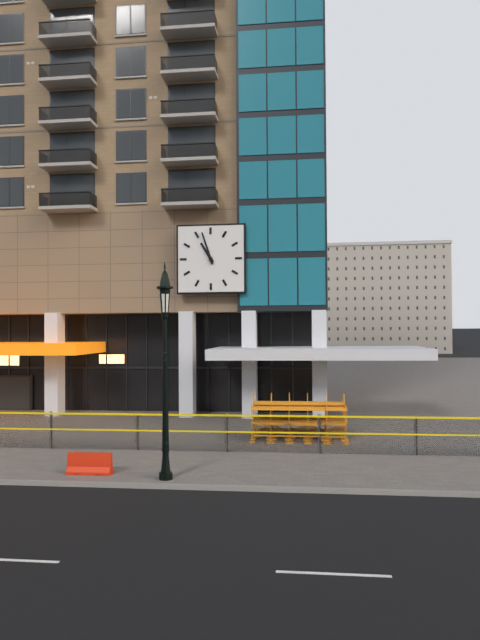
10:57
